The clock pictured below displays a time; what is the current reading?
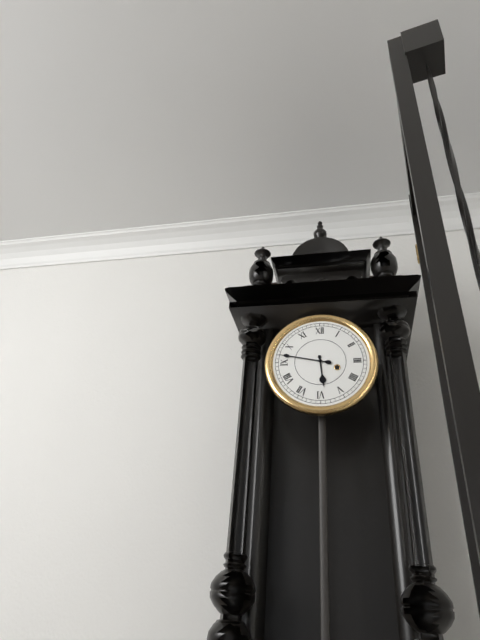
5:47
